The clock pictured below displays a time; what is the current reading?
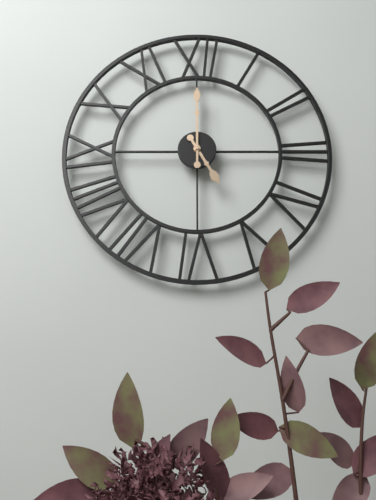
5:00
